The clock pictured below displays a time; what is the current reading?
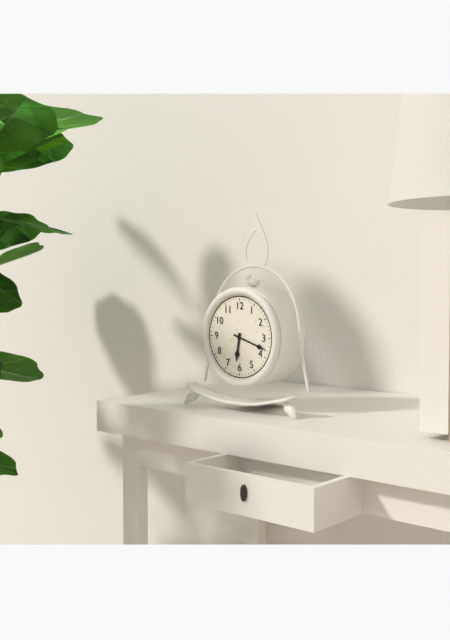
6:18
